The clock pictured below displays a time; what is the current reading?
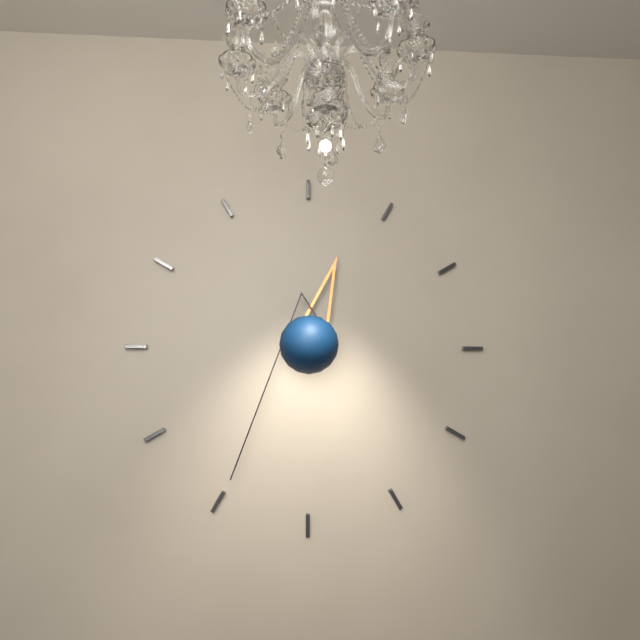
12:35
